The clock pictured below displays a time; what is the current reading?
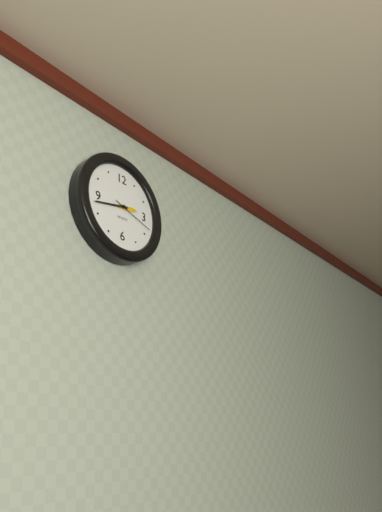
2:43
